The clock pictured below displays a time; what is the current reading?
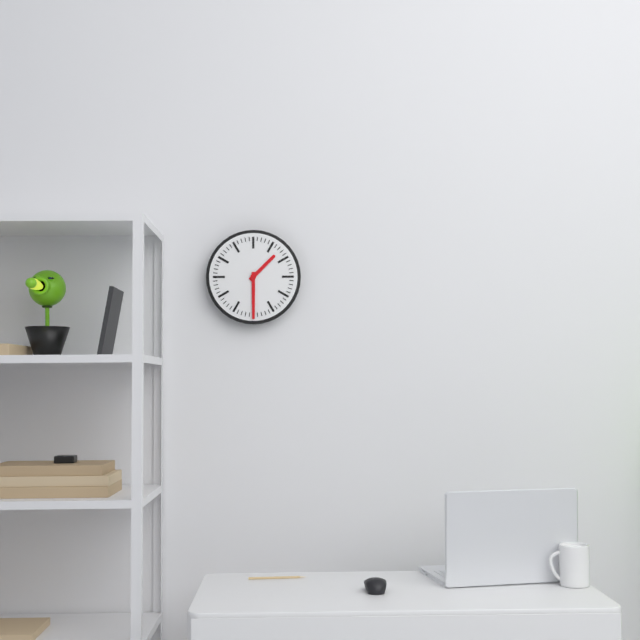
1:30
